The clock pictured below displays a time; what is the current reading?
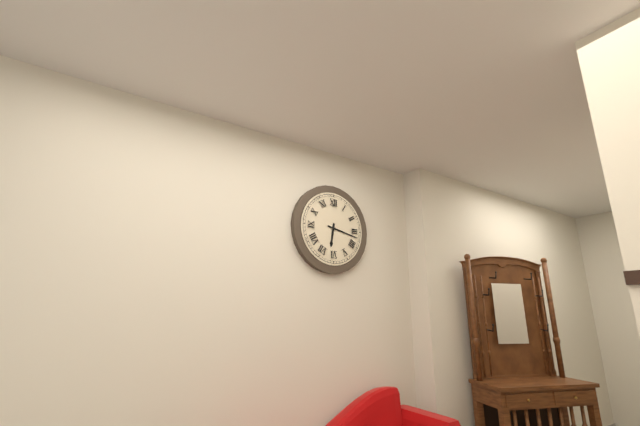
6:17
